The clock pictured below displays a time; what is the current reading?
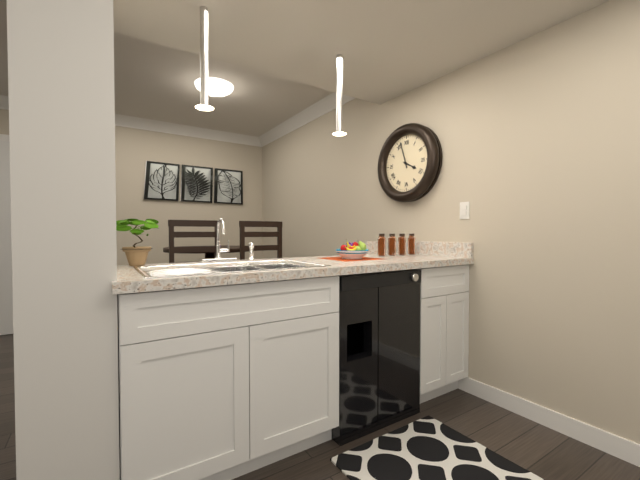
3:57
